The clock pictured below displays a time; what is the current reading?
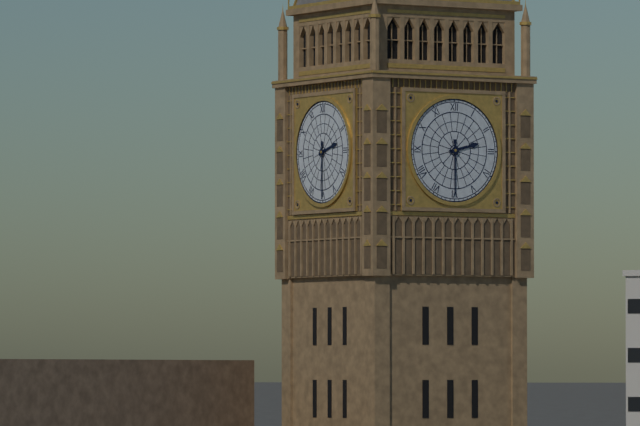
2:30
